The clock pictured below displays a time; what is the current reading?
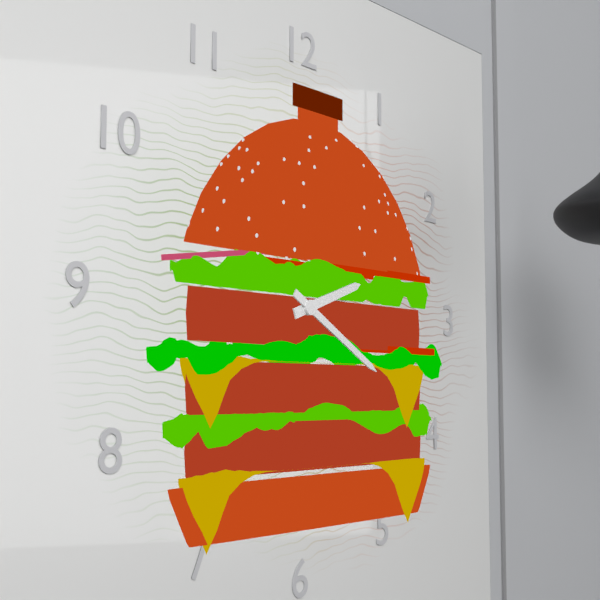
2:20
